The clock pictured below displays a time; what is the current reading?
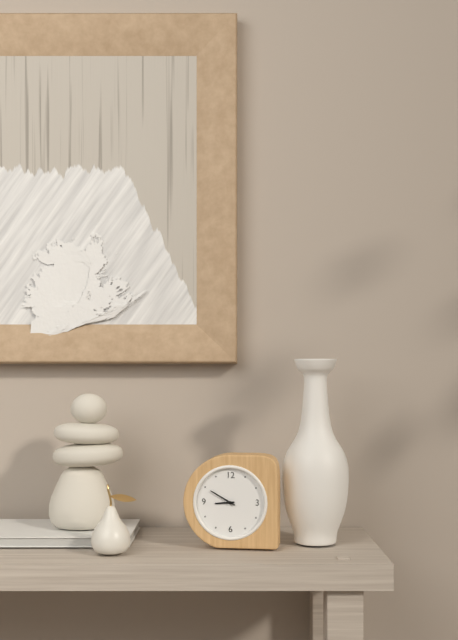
8:50
